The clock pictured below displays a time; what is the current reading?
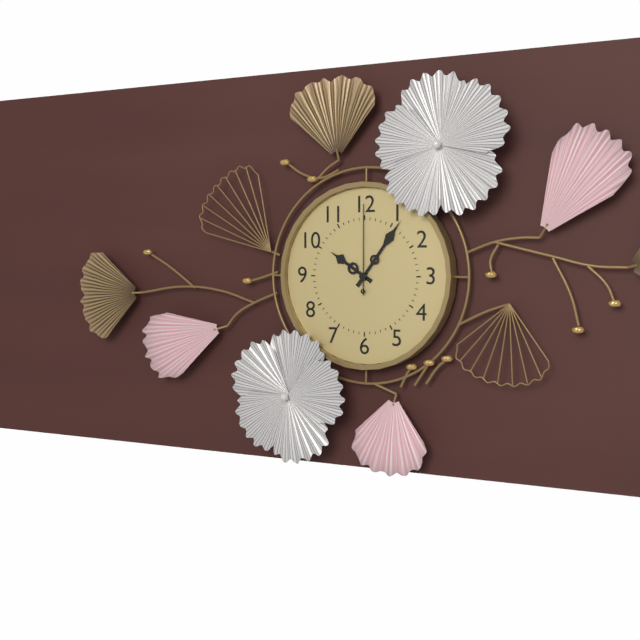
10:06:00
